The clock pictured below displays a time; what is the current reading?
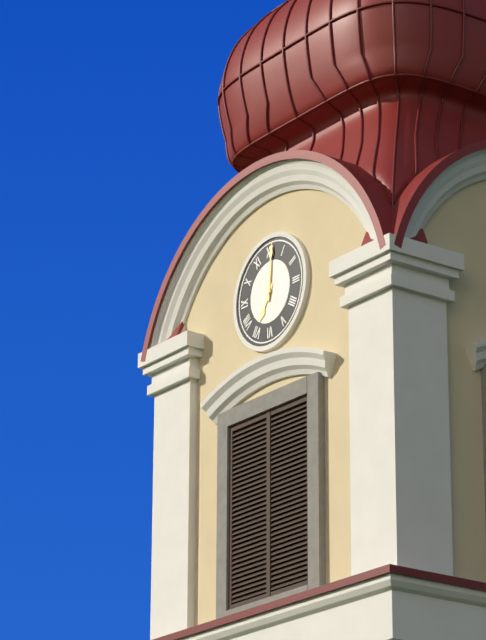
7:01
